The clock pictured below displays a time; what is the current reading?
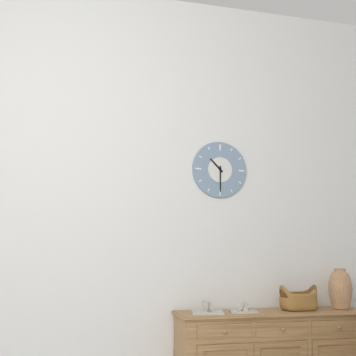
10:30
